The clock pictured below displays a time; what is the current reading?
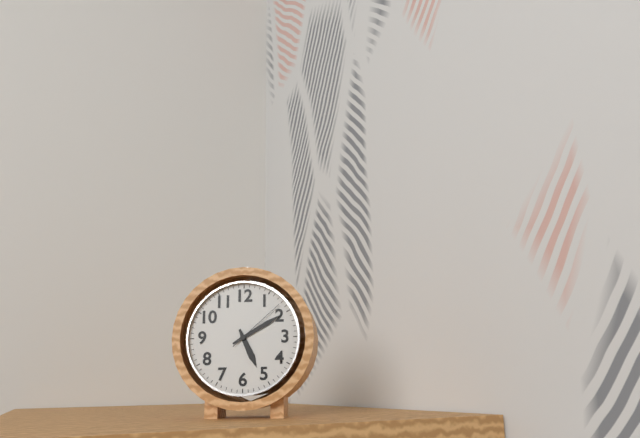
5:10:08
